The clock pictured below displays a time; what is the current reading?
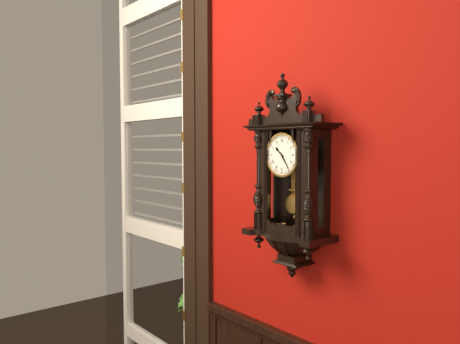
10:24
